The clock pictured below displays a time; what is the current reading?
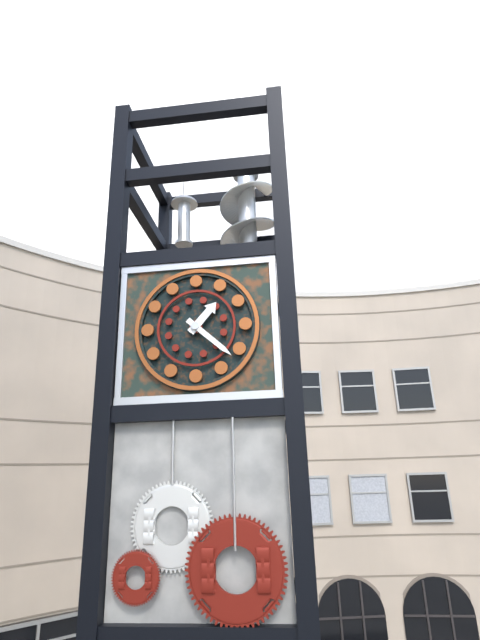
1:22
